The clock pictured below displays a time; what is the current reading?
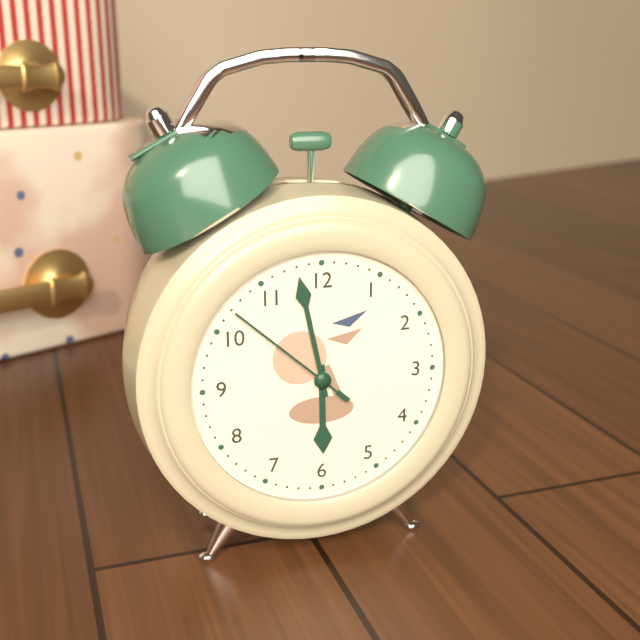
5:58:52
